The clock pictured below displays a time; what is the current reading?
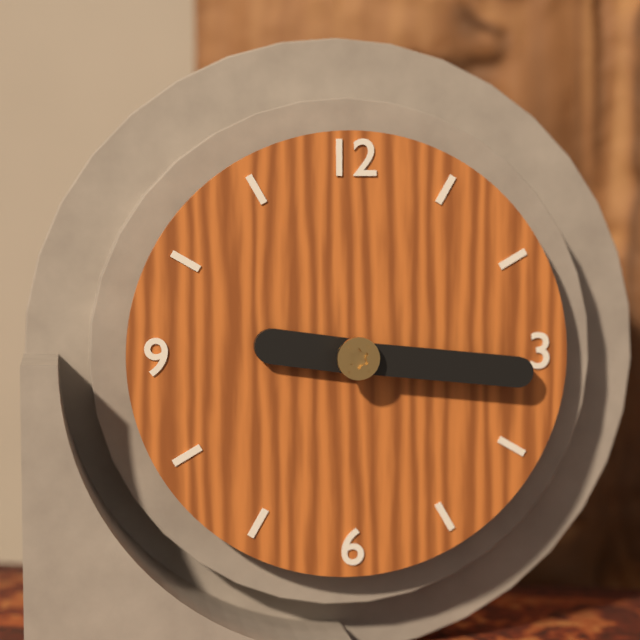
9:16
